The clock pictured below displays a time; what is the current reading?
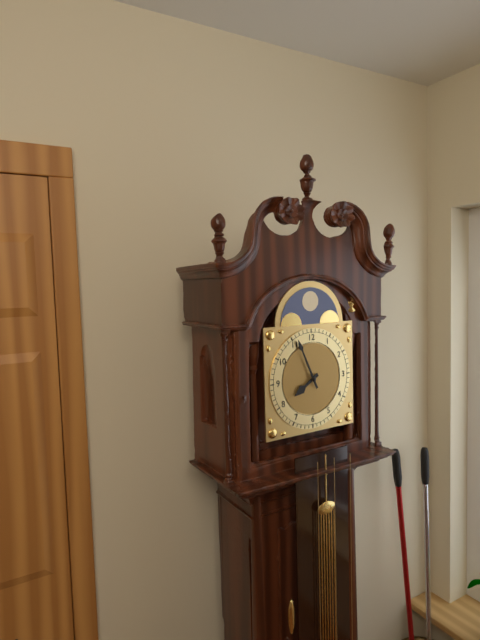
7:56
